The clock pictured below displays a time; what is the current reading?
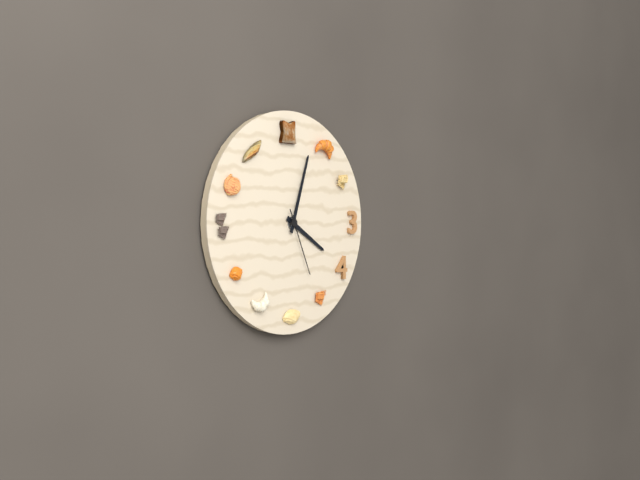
4:03:26
